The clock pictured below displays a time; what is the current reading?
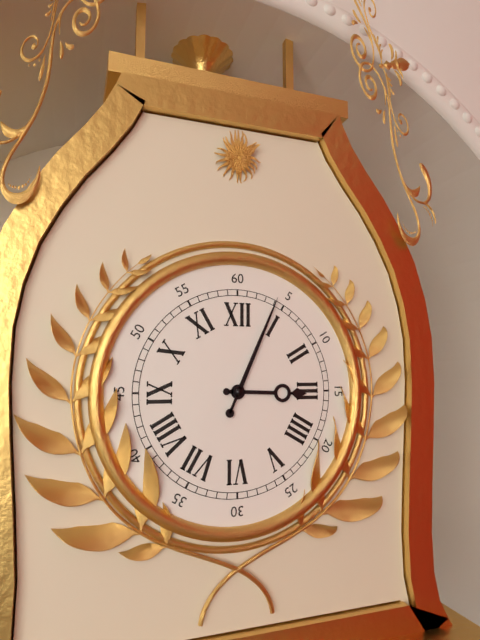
3:04
